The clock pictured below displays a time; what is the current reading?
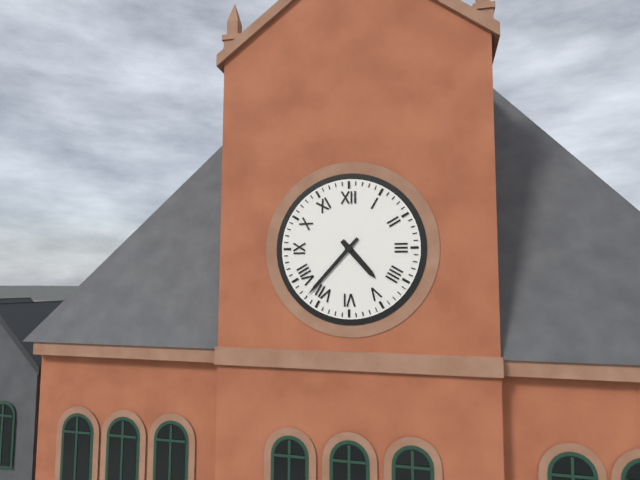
4:37
